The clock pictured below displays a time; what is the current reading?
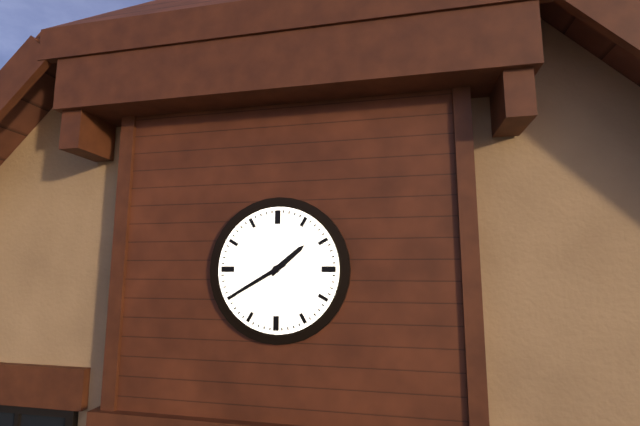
1:40
